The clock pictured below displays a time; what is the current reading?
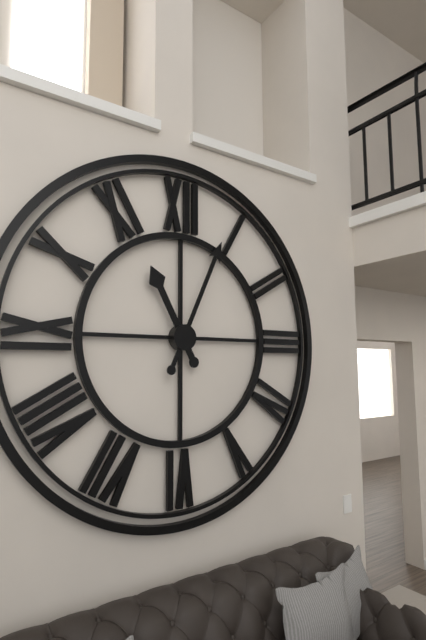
11:04
